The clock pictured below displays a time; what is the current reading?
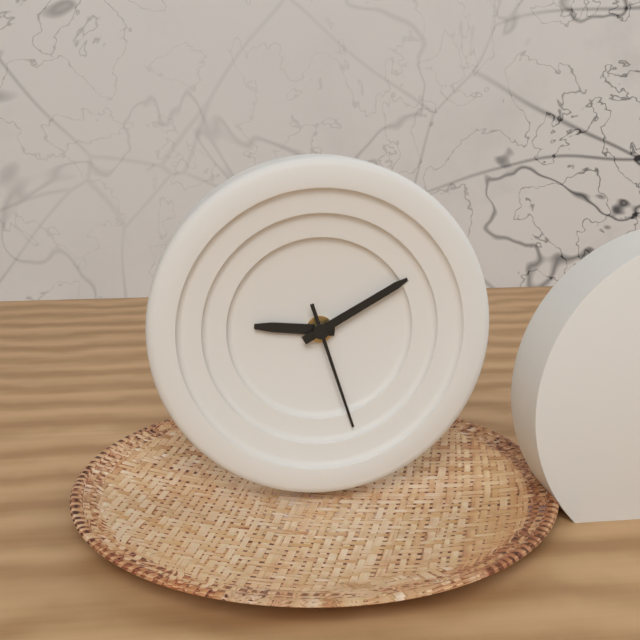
9:10:27
